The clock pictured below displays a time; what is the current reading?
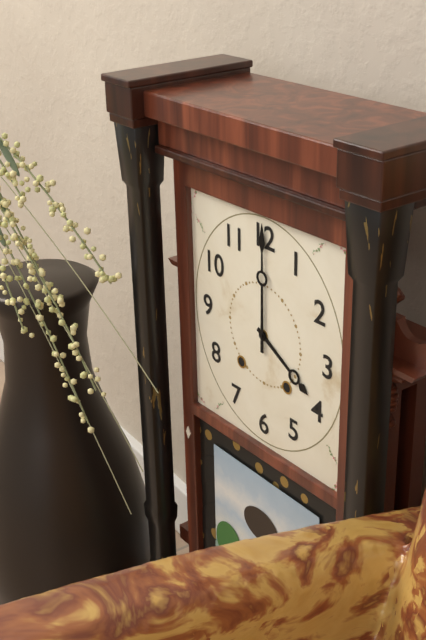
4:00
